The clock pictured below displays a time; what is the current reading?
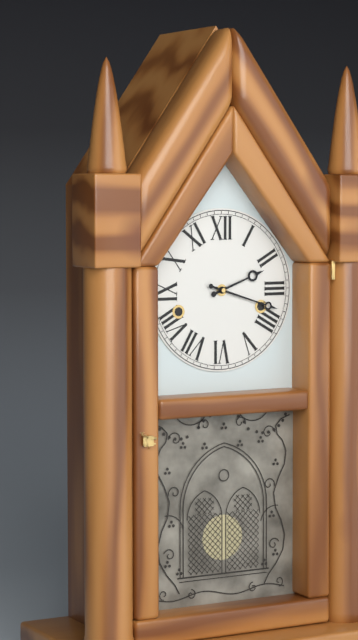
2:18
